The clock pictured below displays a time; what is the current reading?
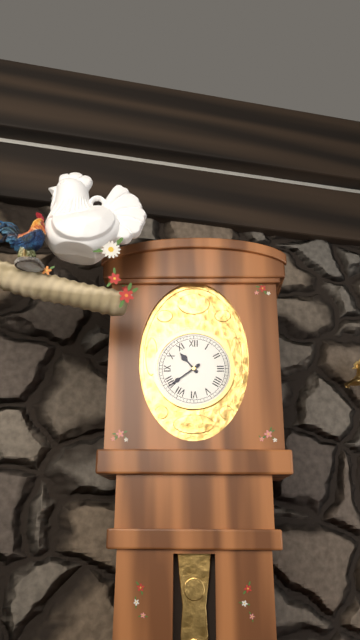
10:39
